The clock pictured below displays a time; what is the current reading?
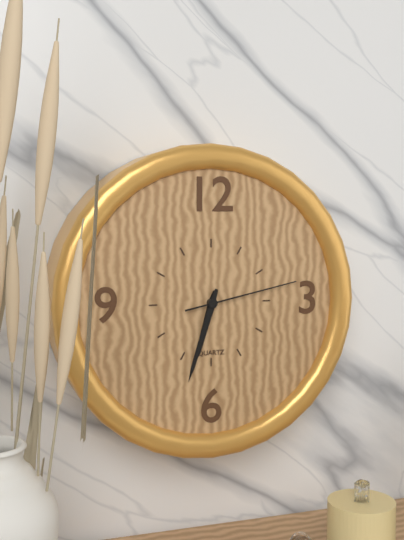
6:33:13
